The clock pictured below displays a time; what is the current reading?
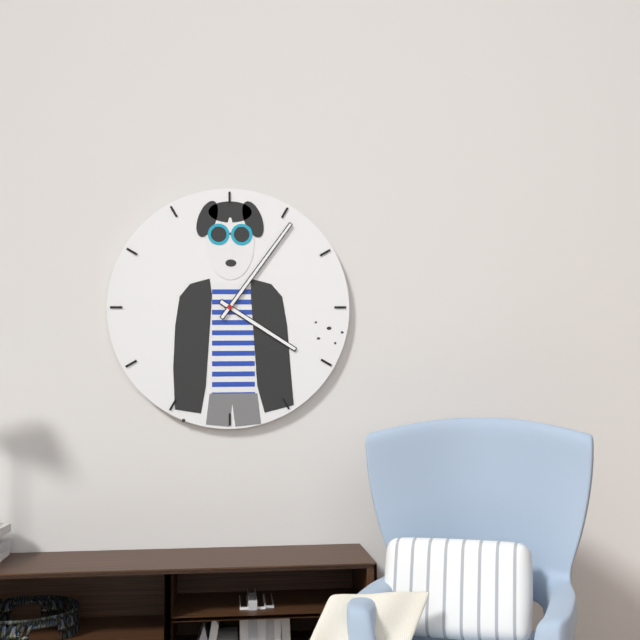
4:06
